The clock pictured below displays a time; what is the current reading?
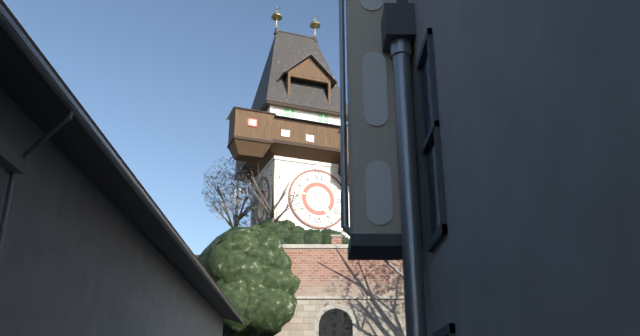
4:47
